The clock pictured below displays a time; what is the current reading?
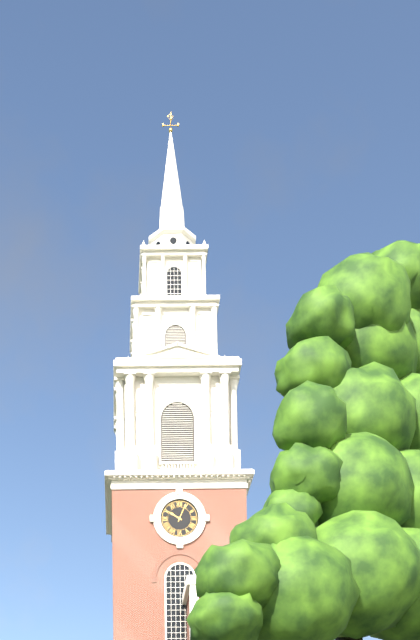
10:04
